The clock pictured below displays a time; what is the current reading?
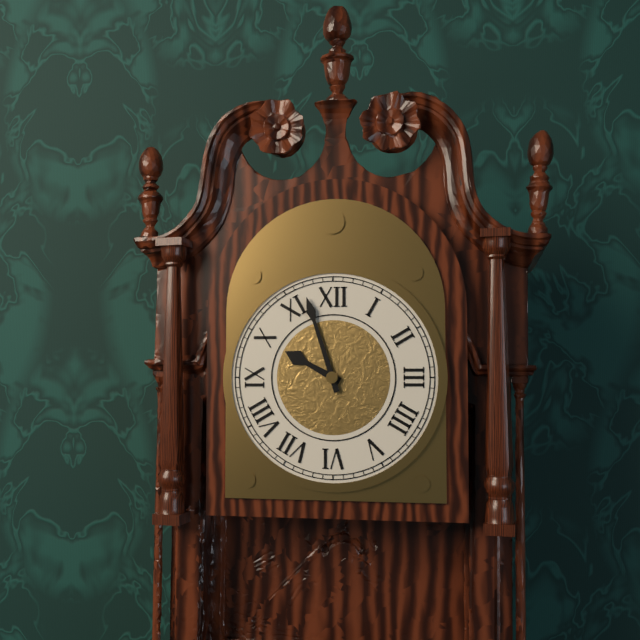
9:57
